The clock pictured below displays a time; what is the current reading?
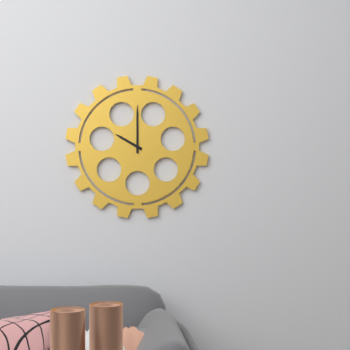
10:00
